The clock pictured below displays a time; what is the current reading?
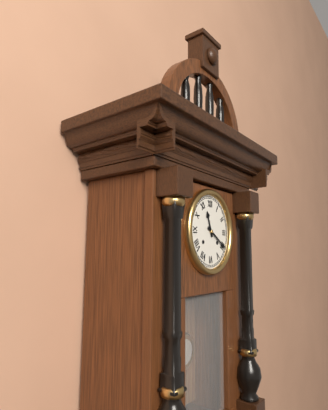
11:20
